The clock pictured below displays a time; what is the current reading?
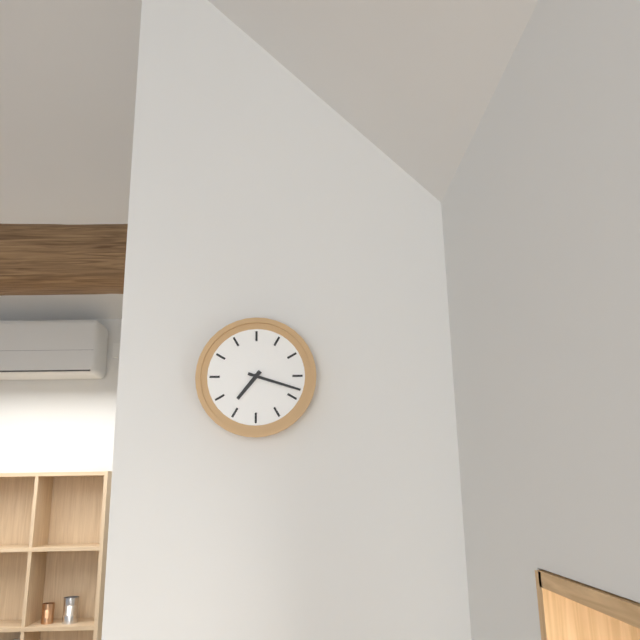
7:18
